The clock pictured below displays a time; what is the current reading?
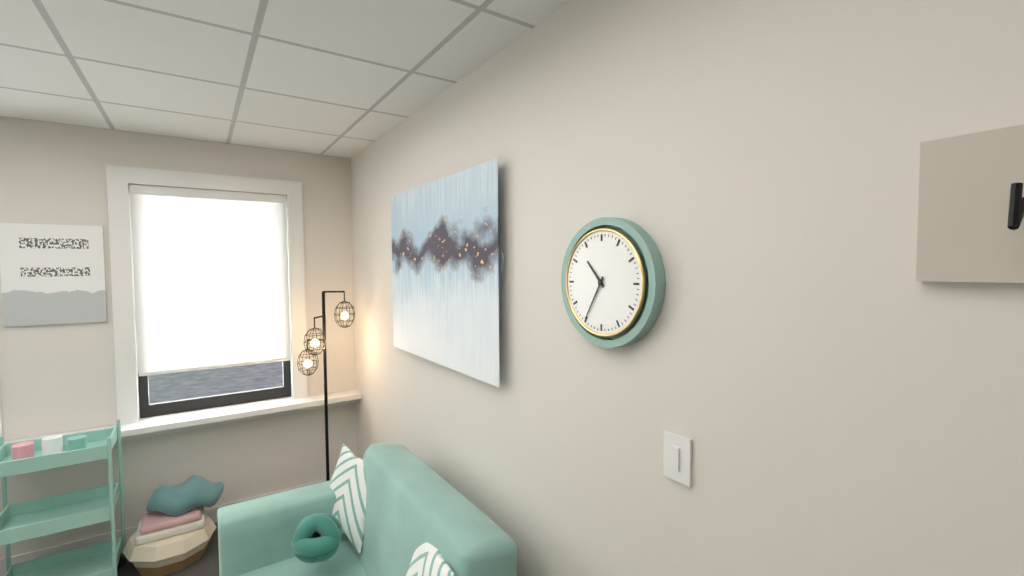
10:35
